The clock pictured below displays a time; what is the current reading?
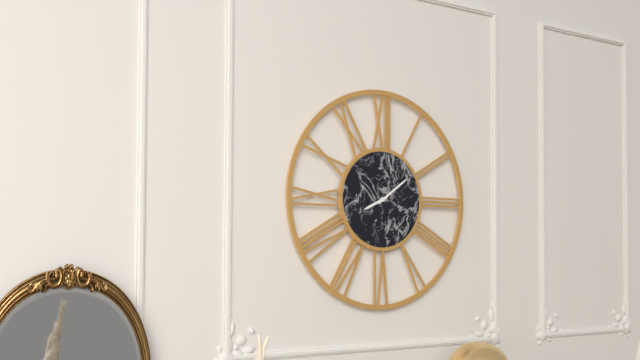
8:09
